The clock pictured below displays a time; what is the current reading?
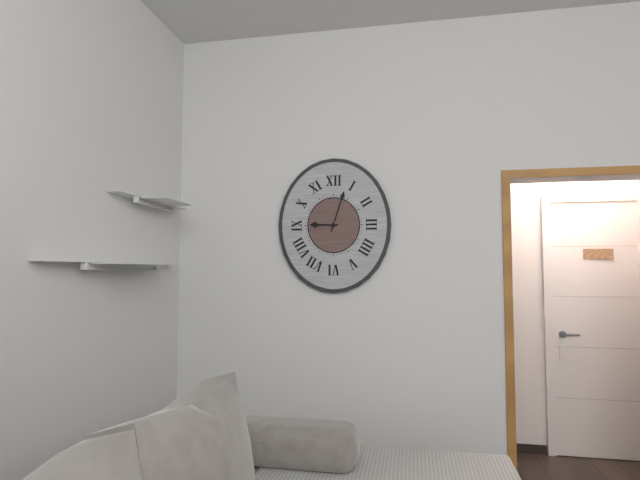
9:03
